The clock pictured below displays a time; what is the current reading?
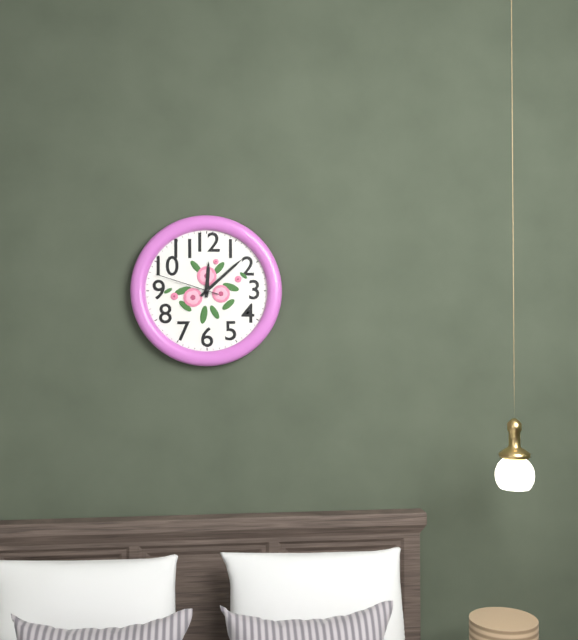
12:08:48
